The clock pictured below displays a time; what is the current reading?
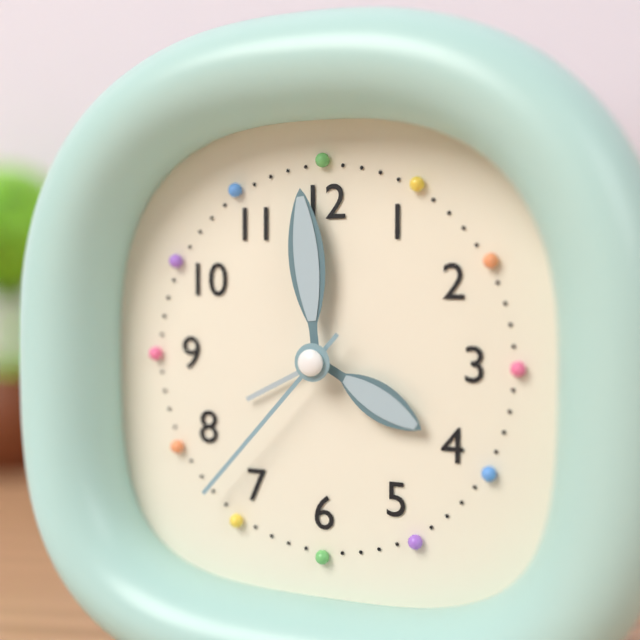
3:59:37
